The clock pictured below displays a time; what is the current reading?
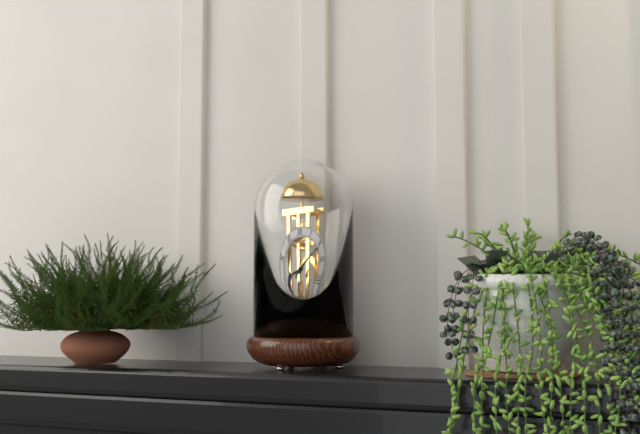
9:11
